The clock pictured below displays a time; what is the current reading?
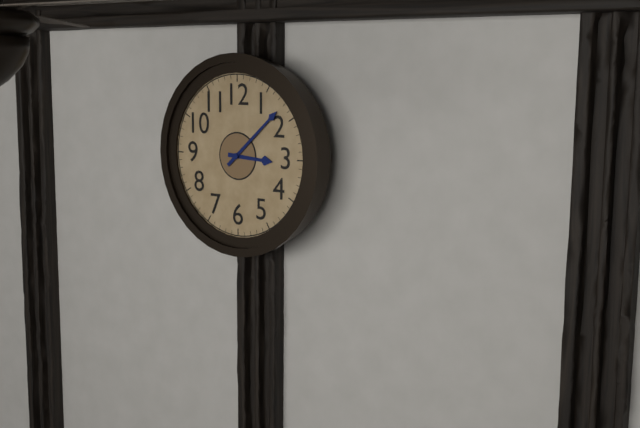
3:08
